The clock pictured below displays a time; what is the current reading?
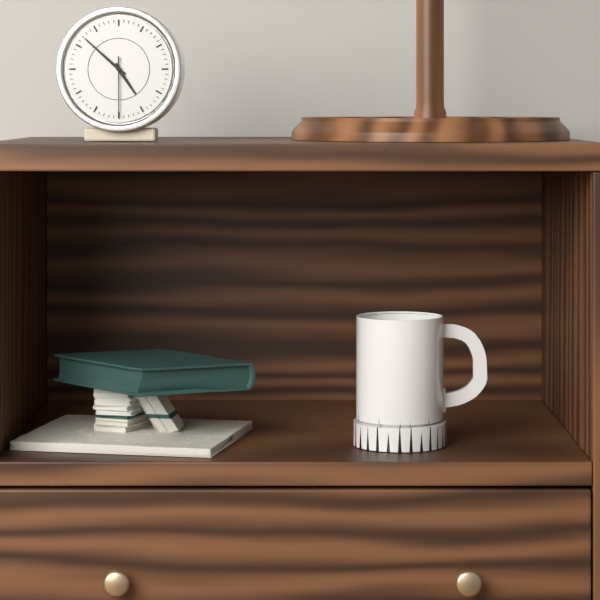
4:52:30
